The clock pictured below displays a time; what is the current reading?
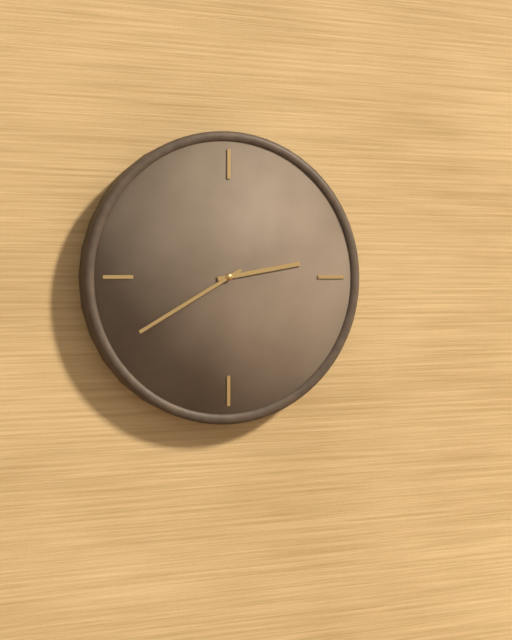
2:40
